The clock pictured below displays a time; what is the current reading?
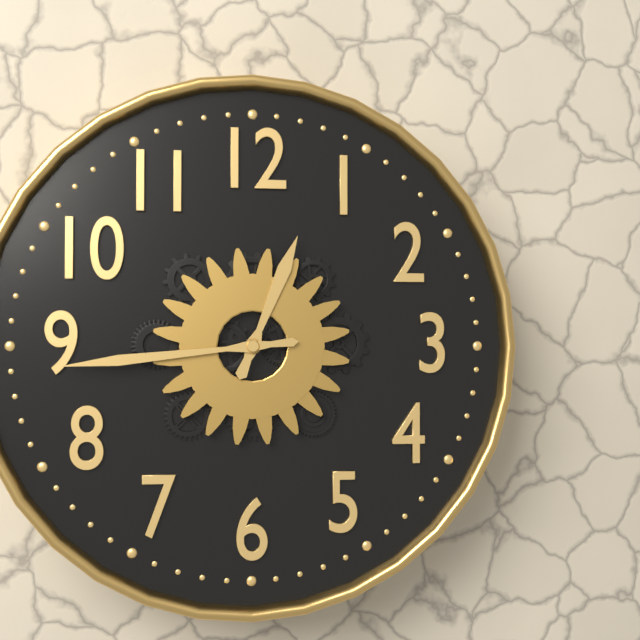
12:44
